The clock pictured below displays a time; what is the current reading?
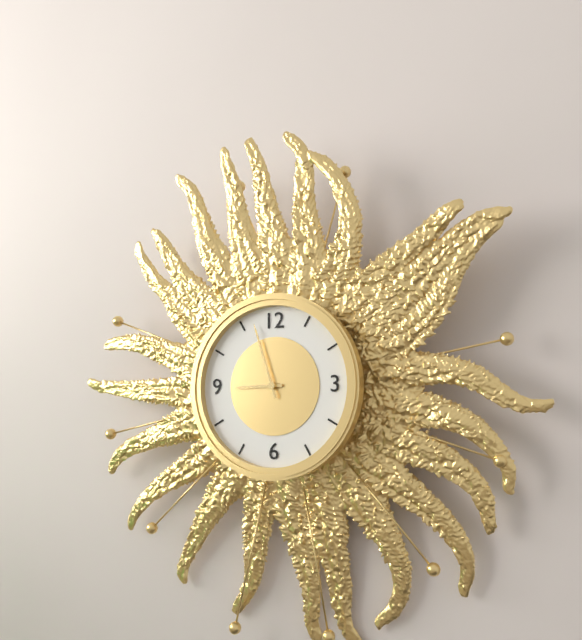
8:57
